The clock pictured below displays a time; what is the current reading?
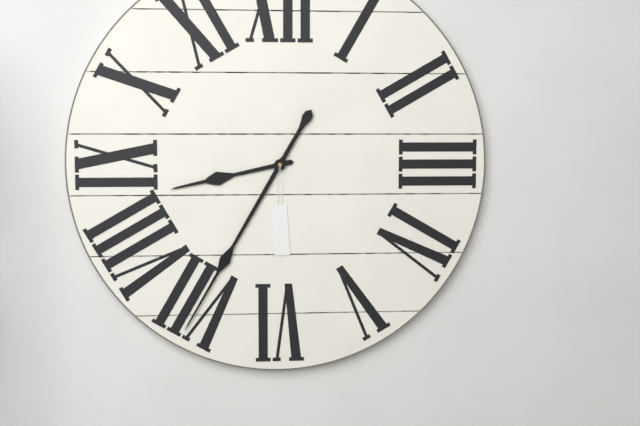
8:35
